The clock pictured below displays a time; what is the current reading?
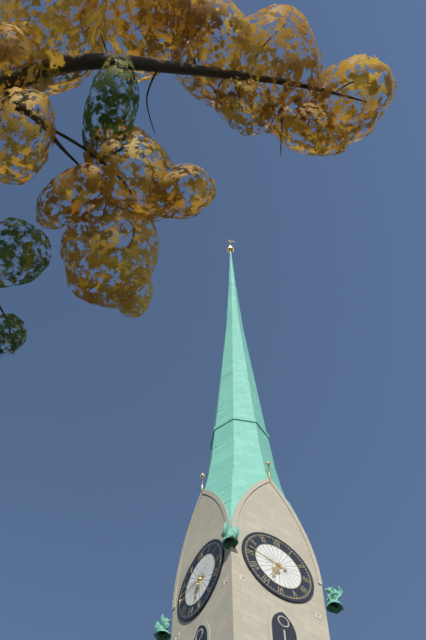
6:47
